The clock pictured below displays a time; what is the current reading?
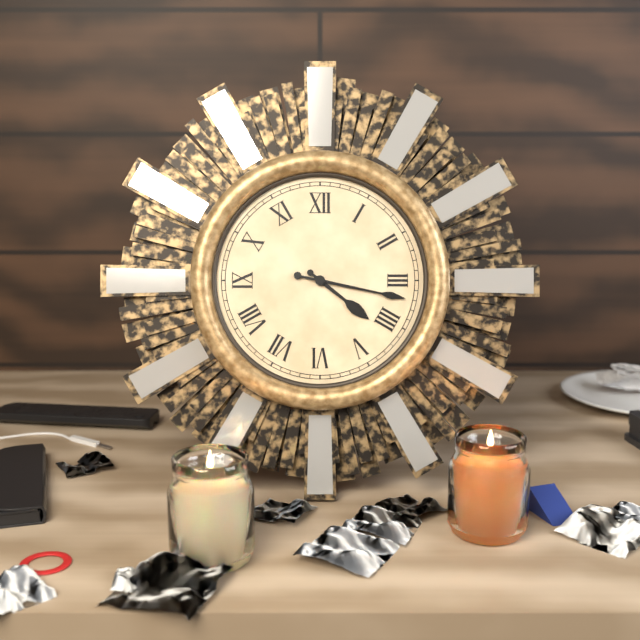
4:17
